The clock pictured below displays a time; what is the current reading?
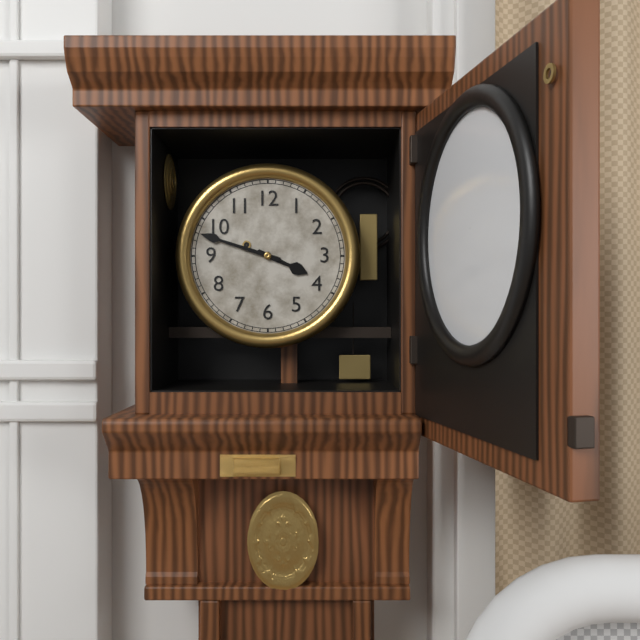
3:48
